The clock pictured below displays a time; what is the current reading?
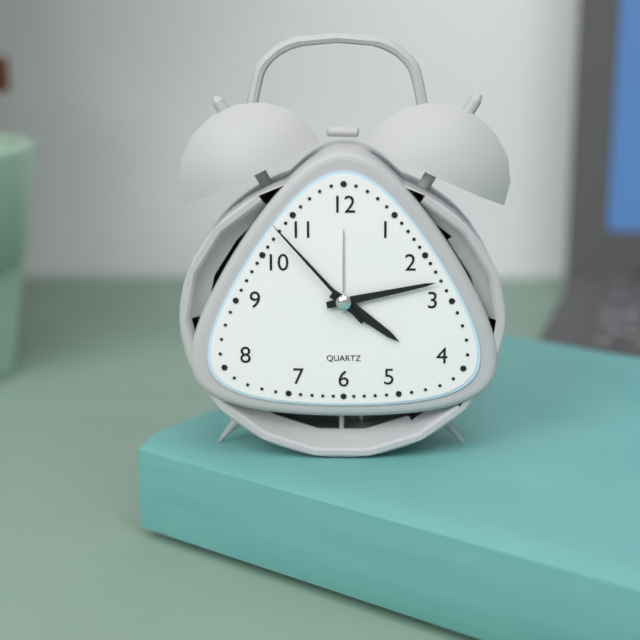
4:13:53
